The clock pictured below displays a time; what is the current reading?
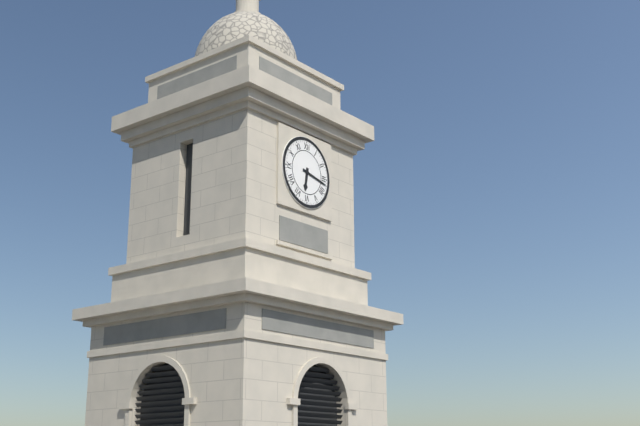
6:17
